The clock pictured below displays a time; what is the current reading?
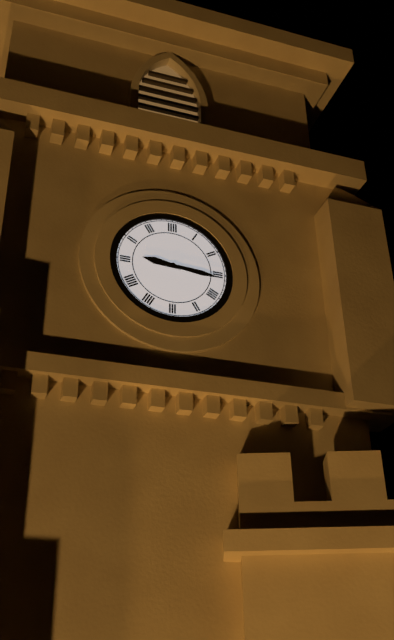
9:16
